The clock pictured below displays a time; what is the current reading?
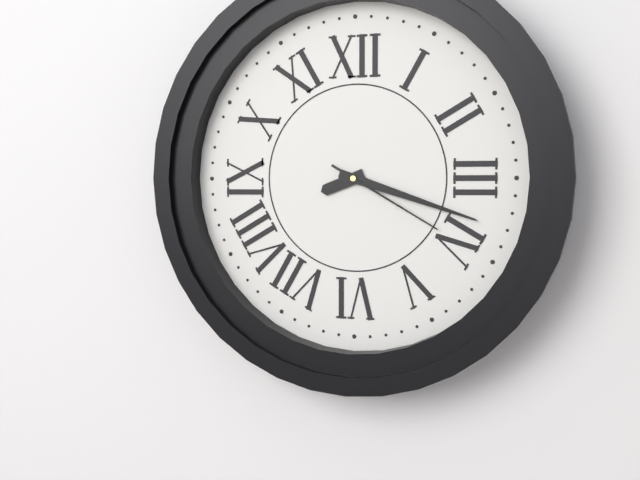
8:18:20
